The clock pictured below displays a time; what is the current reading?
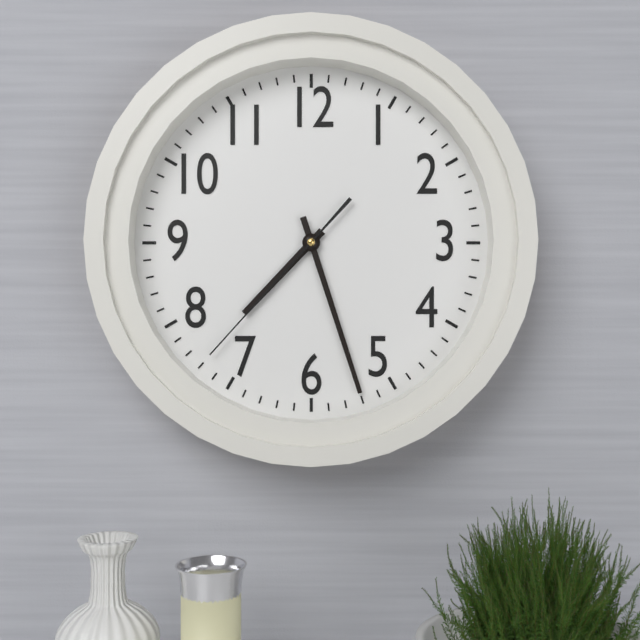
7:27:37
